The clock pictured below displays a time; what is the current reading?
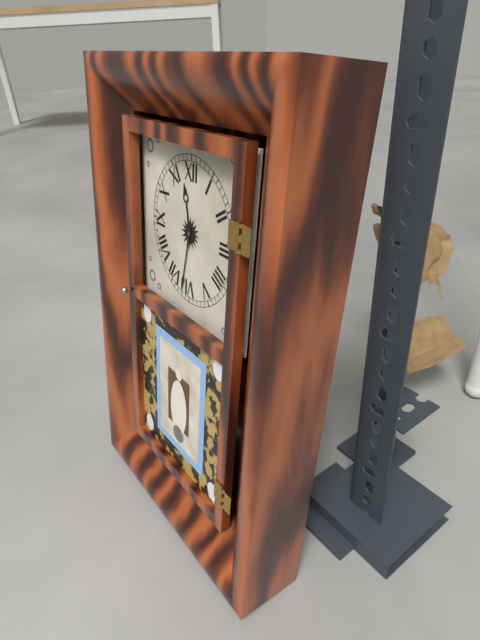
11:32
